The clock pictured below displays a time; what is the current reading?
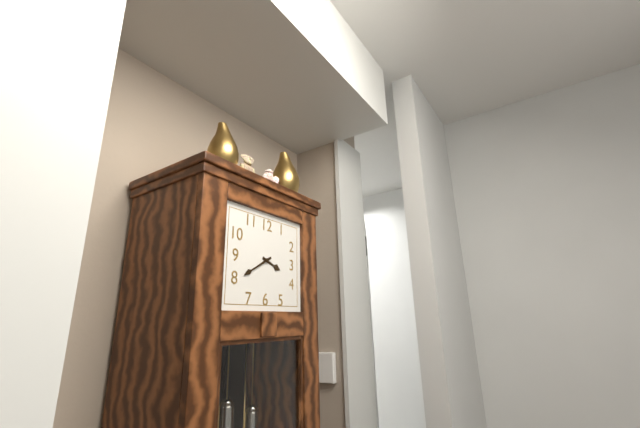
3:40
